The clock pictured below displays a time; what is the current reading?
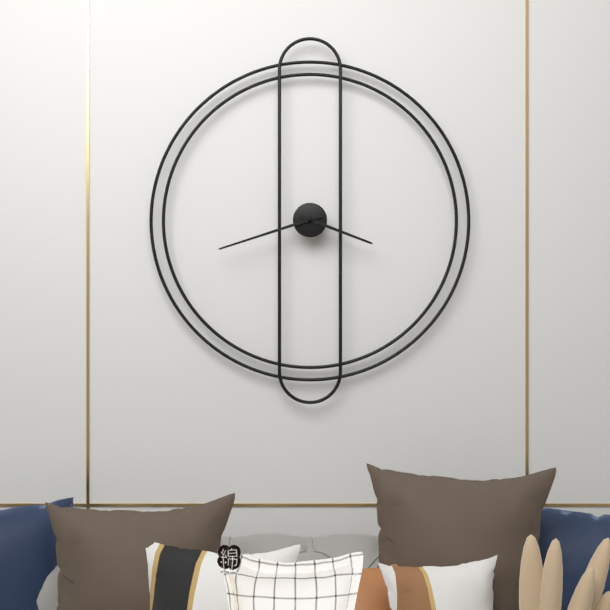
3:42
